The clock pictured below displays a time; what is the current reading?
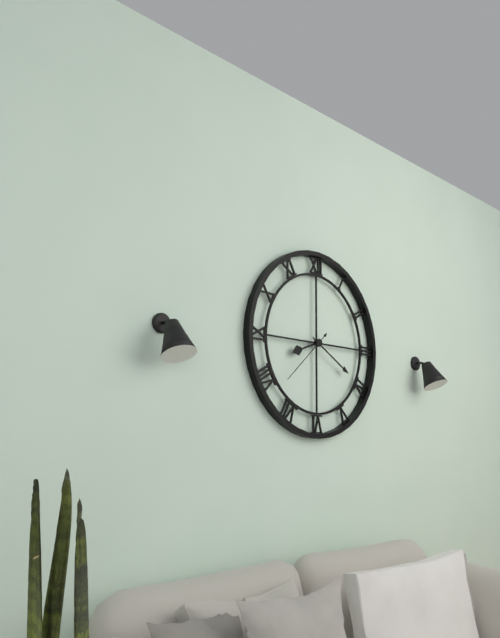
8:20:38
